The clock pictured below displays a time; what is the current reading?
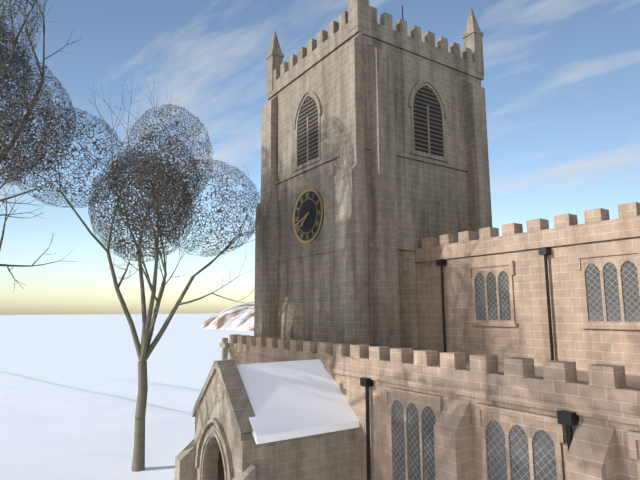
7:42
